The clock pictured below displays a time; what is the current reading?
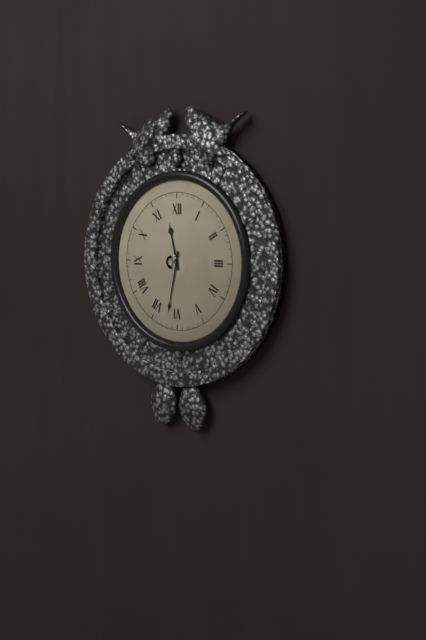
11:32
